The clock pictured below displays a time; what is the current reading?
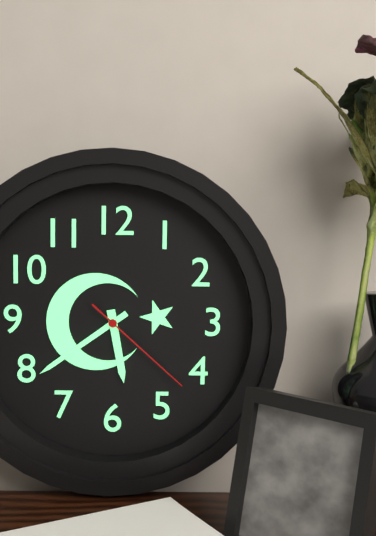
5:39:22
